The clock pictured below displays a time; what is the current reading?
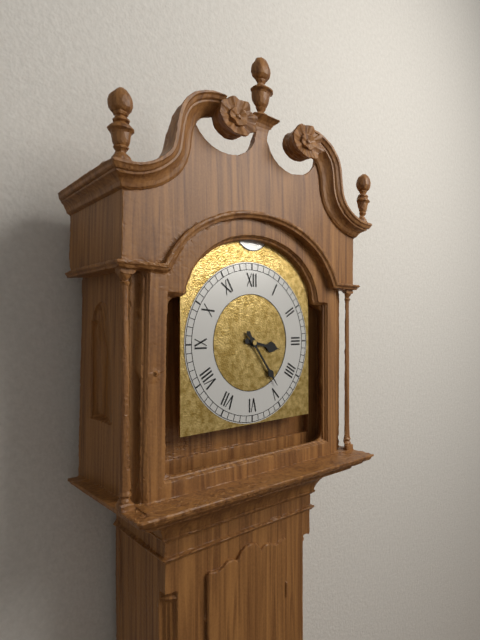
3:24
